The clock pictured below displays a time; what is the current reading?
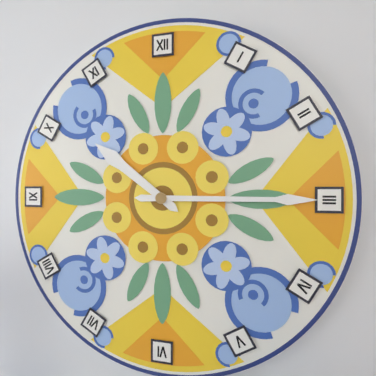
10:15
